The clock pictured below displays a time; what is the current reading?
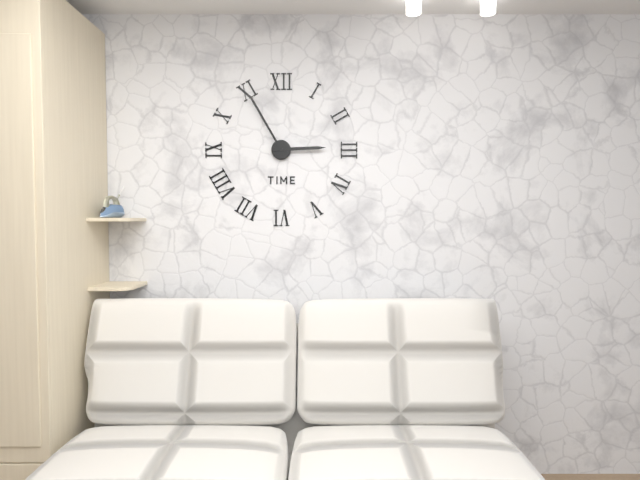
2:55
